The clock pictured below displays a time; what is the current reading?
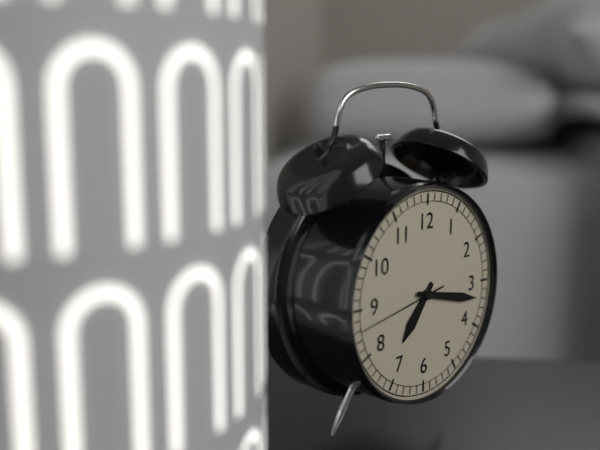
7:17:43
